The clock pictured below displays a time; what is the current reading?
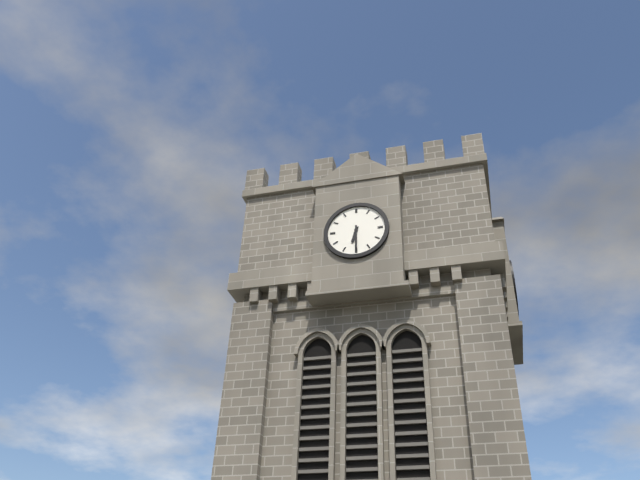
6:30
